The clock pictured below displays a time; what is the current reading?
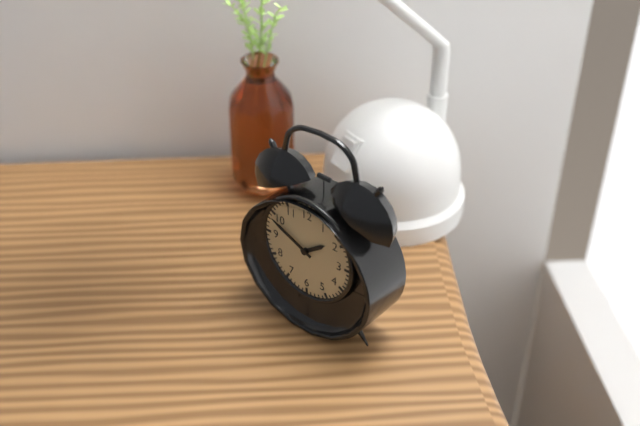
1:49
